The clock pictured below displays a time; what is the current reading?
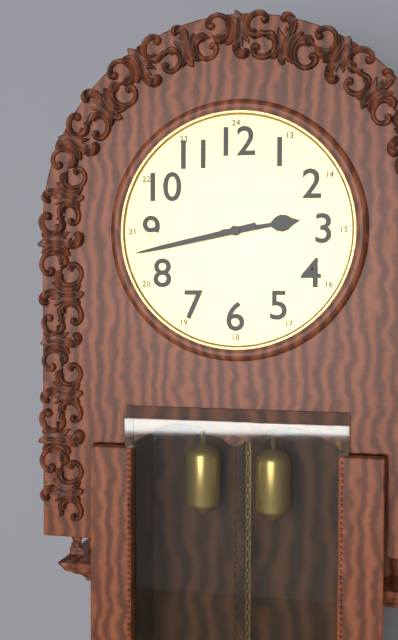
2:43
